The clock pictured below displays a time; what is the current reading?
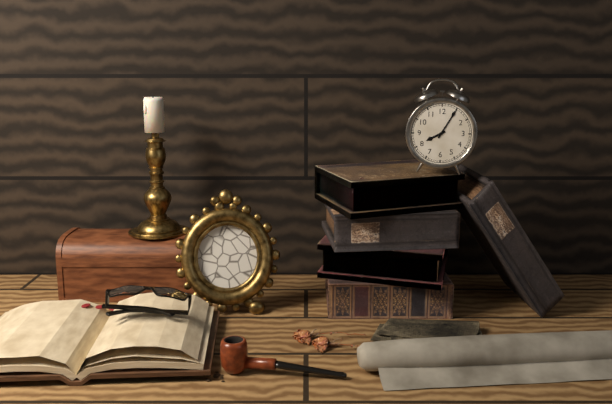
8:05
